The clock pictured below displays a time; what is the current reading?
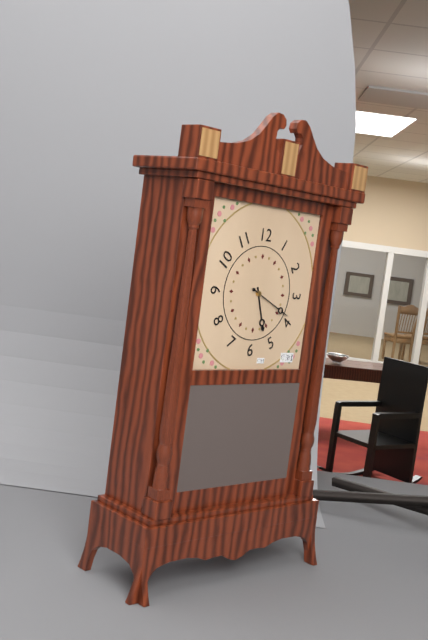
5:19
